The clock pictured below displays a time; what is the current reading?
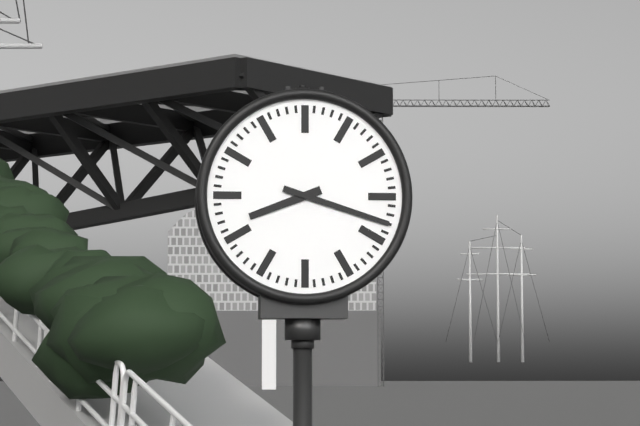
8:18
